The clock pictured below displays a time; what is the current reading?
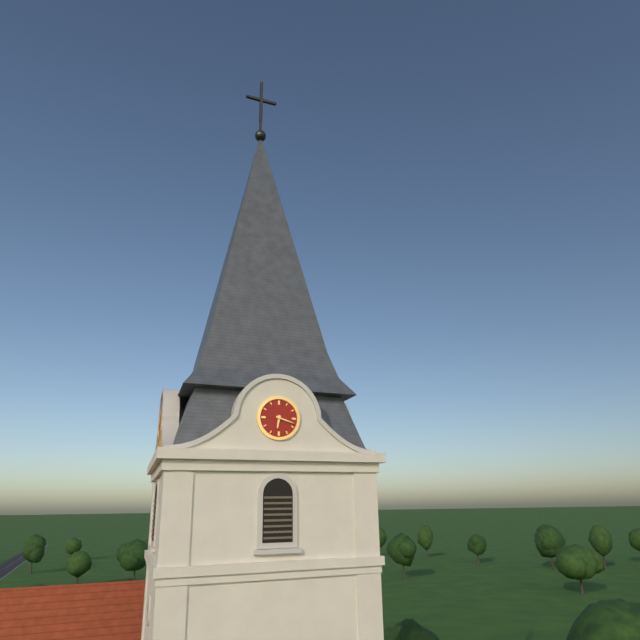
6:18
